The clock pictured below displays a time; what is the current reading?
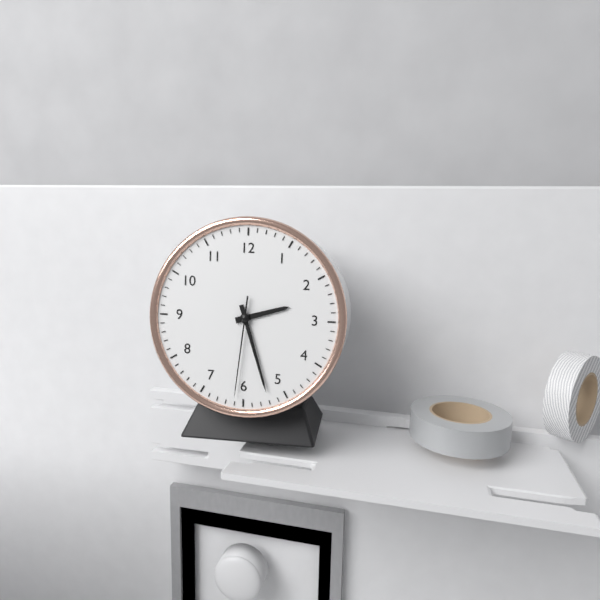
2:27:31
